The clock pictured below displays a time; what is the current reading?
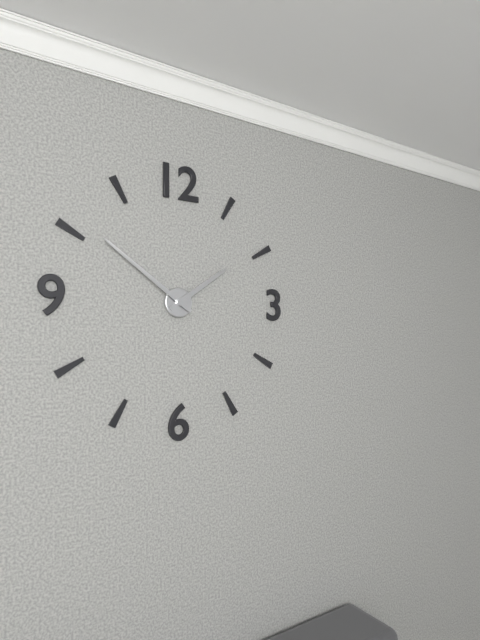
1:51
